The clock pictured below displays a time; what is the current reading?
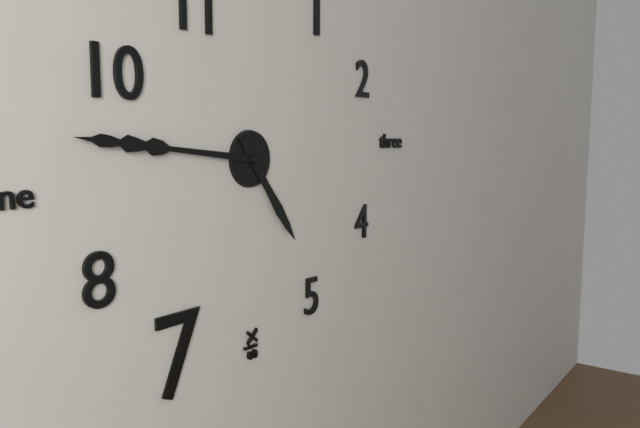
4:46
